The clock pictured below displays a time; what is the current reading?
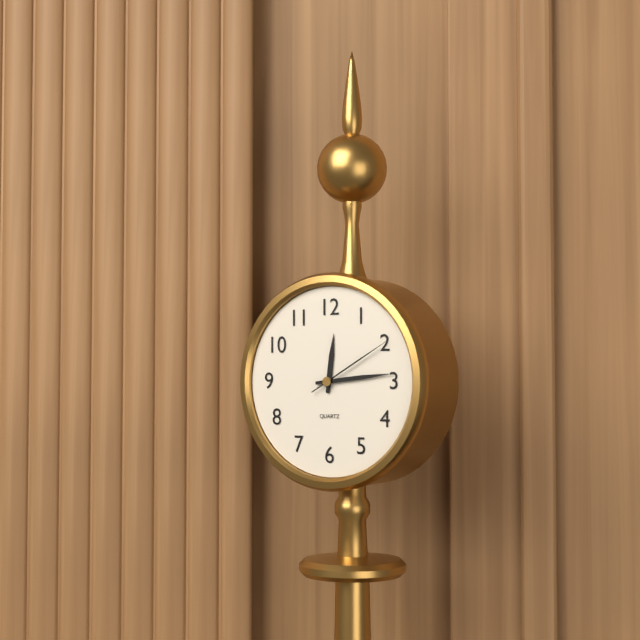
12:14:10
